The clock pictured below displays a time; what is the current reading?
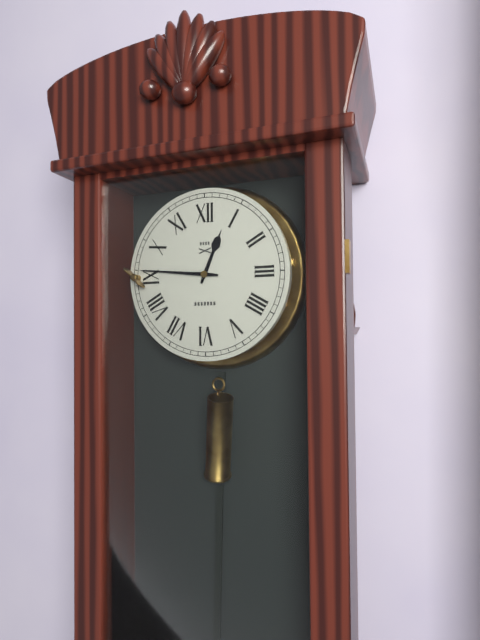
12:46
